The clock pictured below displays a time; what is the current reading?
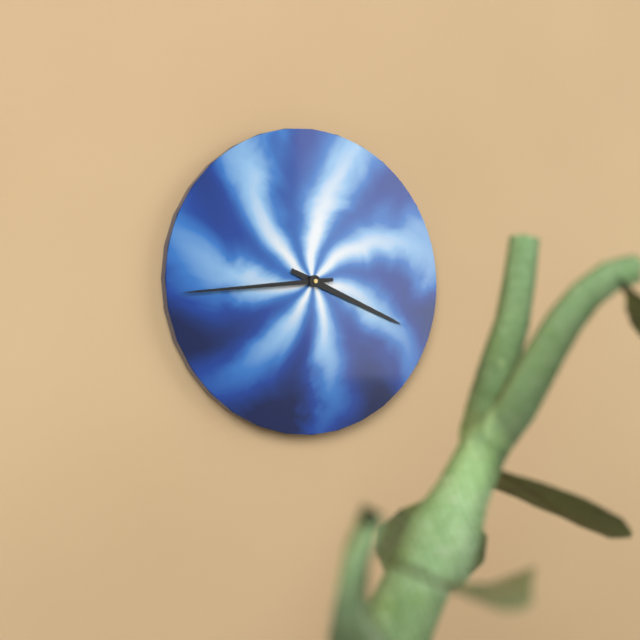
3:44
